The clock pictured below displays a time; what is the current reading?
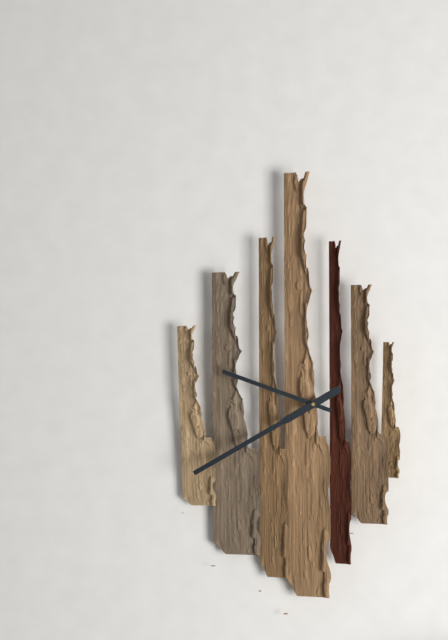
9:40
